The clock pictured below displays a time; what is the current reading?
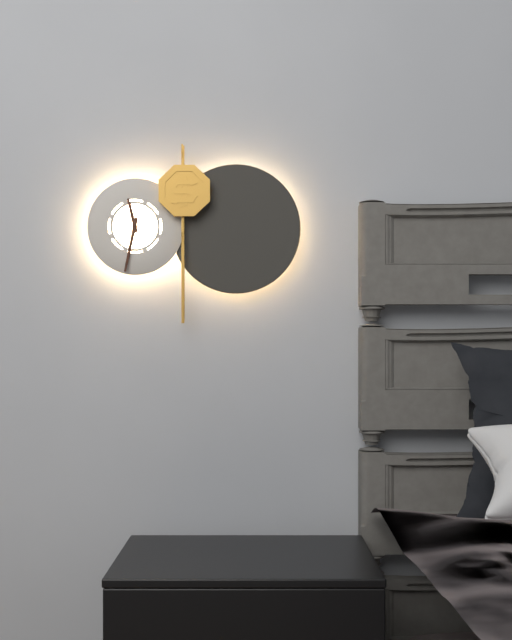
11:32
